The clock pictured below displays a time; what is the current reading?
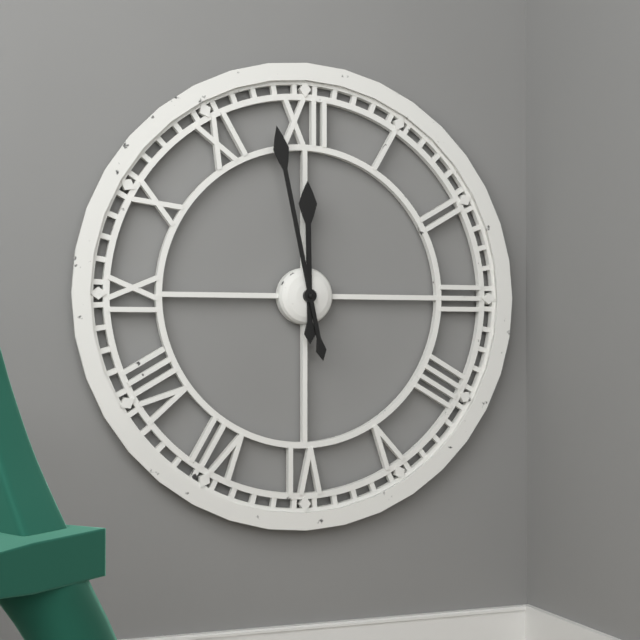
11:58
